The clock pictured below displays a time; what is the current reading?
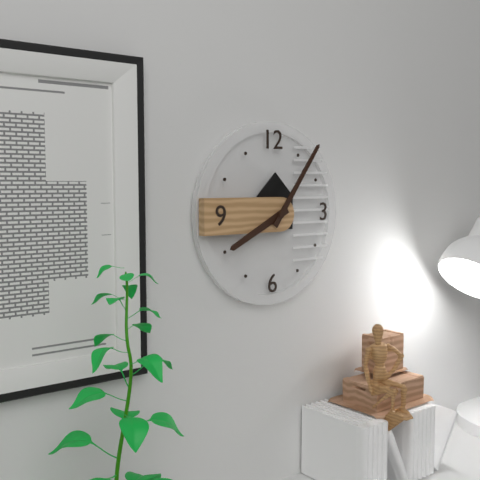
8:06
